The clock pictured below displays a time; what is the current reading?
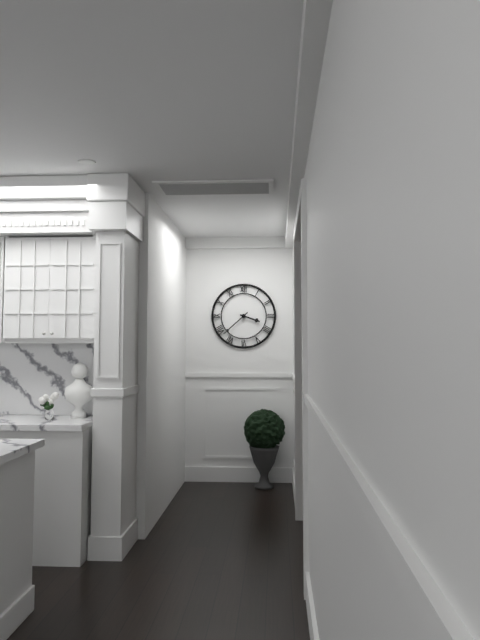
3:38
